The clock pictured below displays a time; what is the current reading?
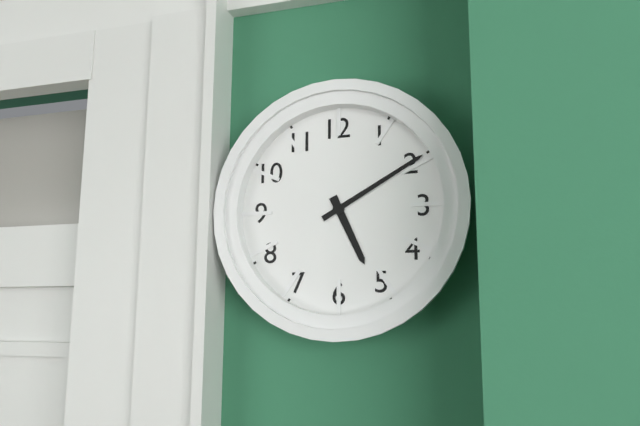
5:10
